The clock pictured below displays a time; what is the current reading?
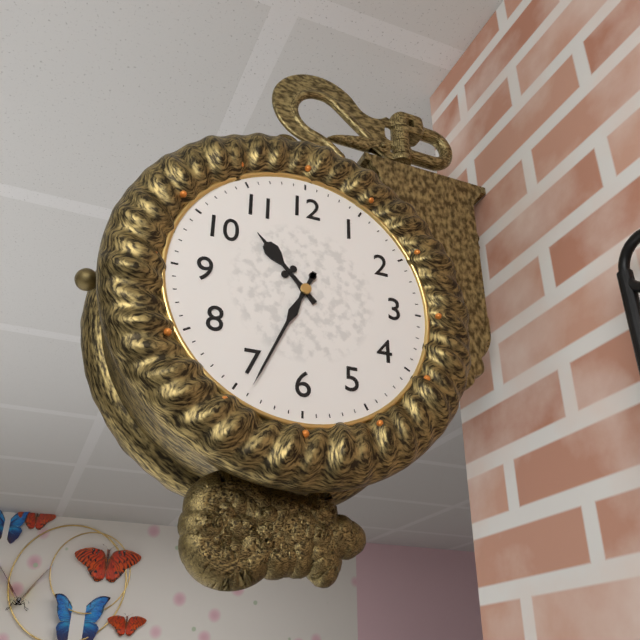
10:34
